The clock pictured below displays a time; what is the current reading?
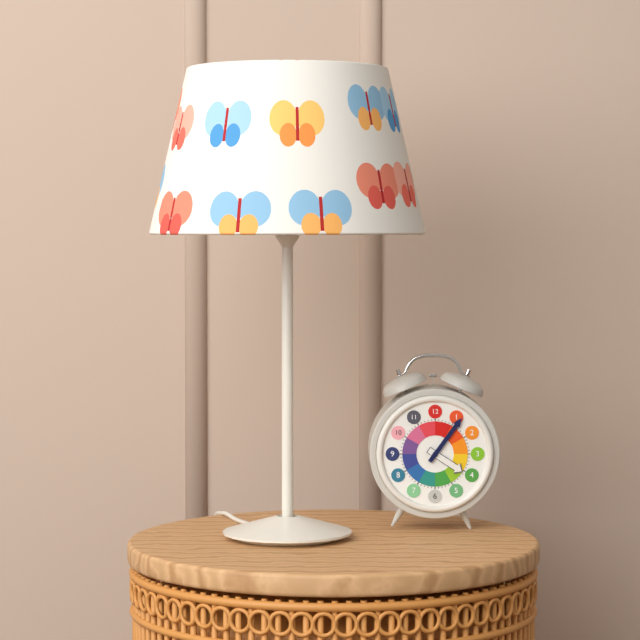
4:06
